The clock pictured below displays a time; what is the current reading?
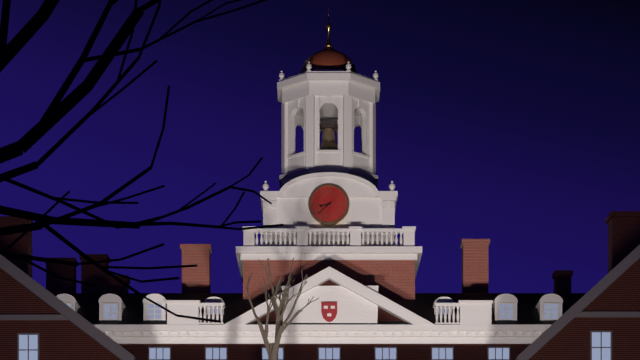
8:38
